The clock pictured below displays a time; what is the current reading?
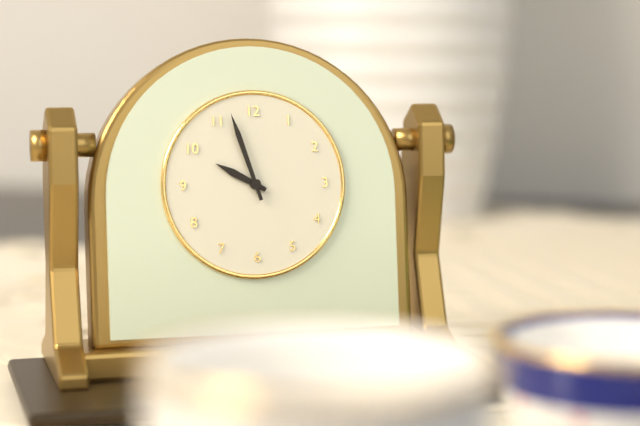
9:57
